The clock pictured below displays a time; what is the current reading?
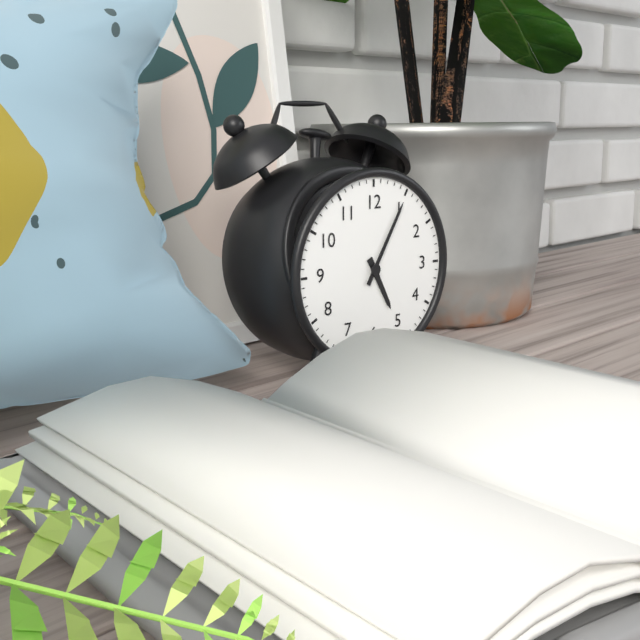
5:05
